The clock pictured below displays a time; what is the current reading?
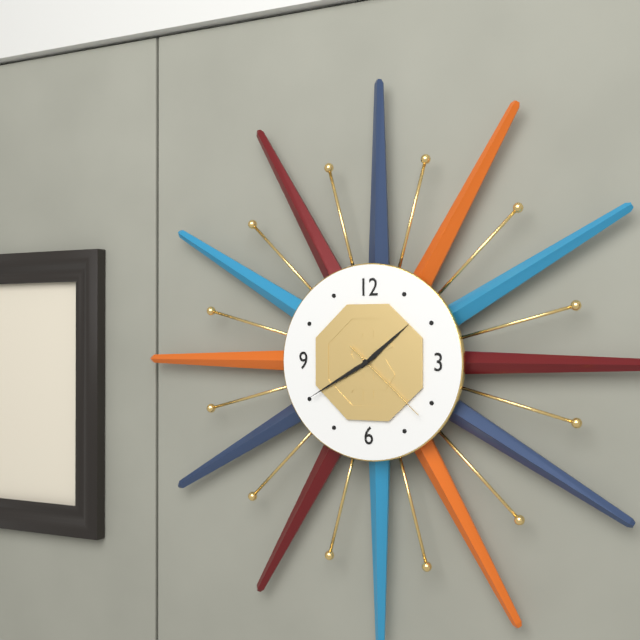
1:40:22
